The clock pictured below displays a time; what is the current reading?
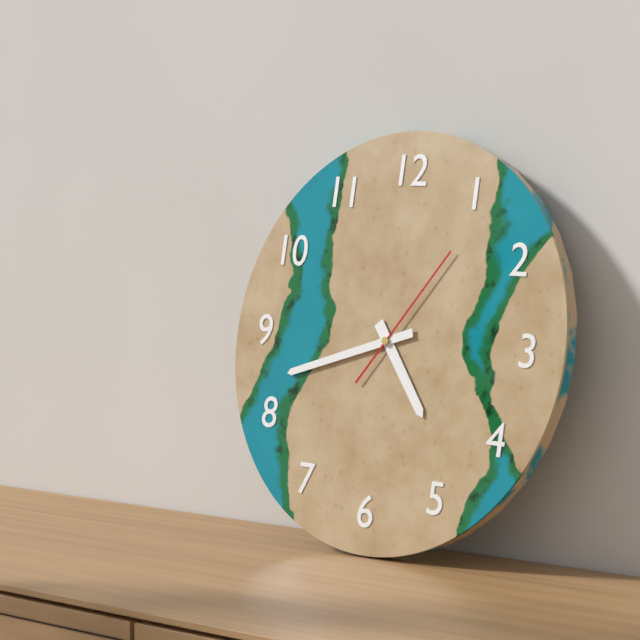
4:42:06
